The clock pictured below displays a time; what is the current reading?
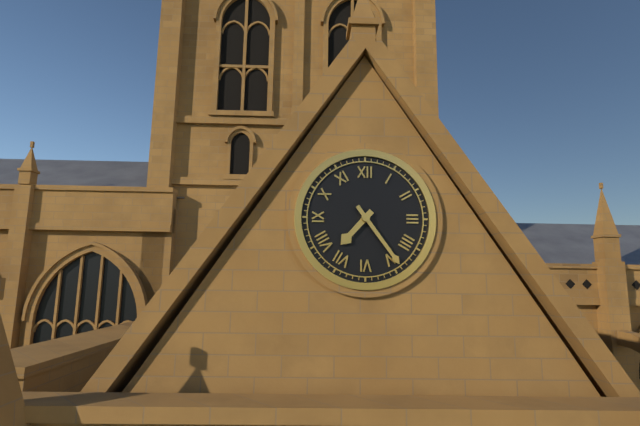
7:24
